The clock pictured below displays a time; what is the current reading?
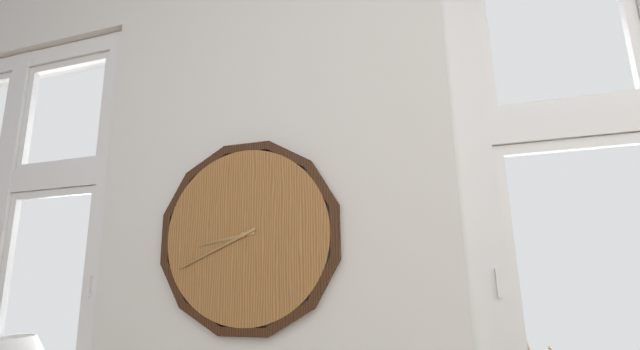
8:41
